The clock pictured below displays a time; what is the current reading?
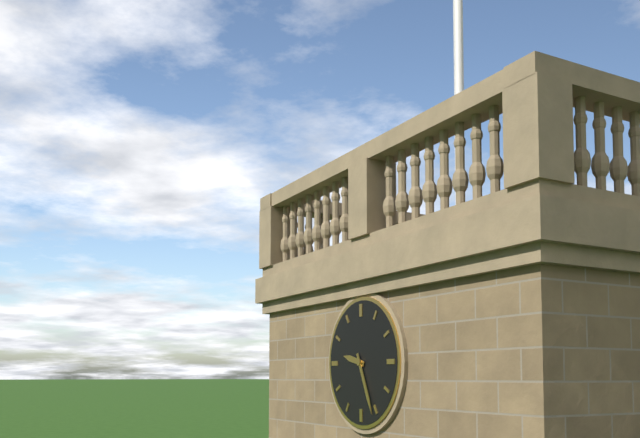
9:26
